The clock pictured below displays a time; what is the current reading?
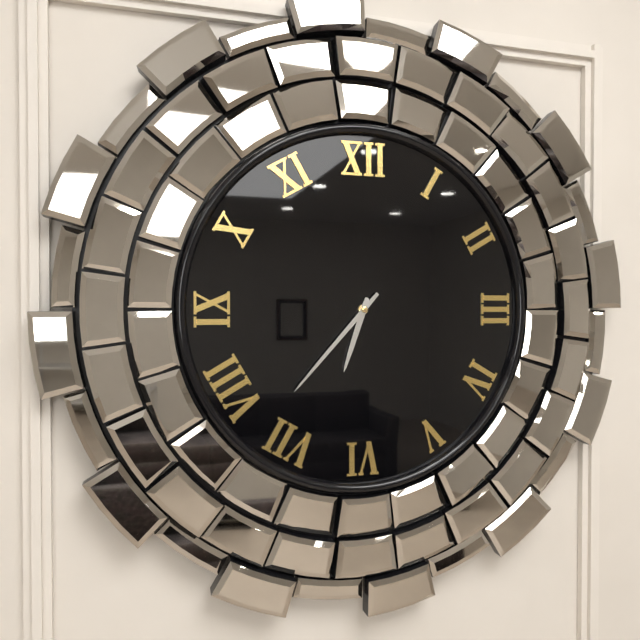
6:37
